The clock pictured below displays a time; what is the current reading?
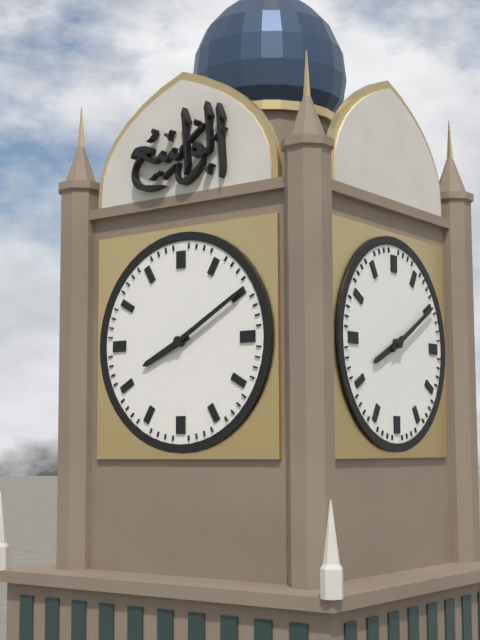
8:10
